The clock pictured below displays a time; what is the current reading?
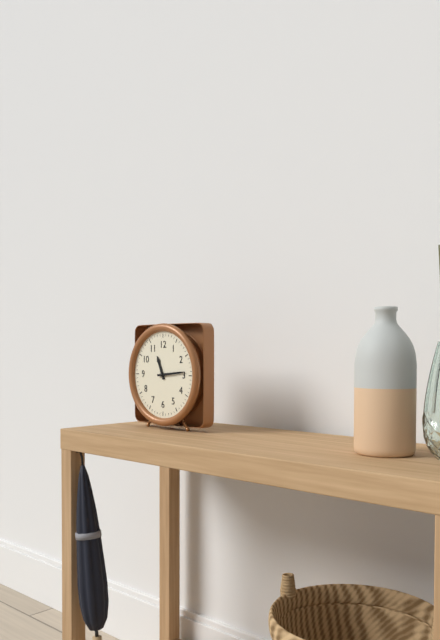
11:14
